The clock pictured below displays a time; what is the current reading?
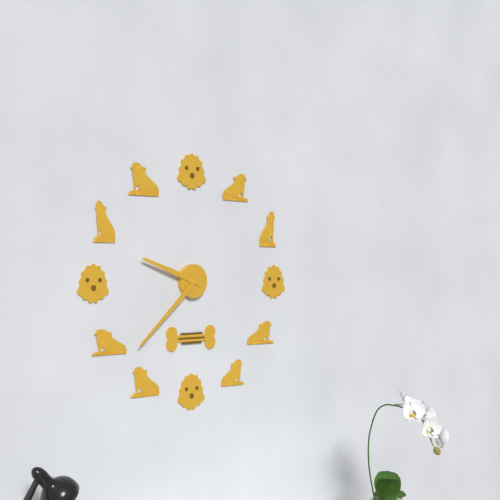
9:38
